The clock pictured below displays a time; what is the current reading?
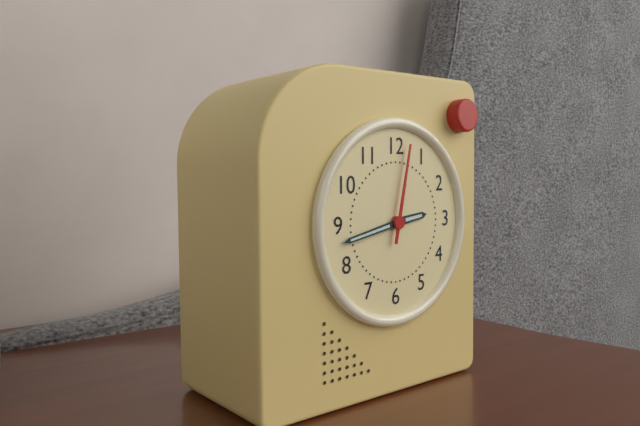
2:43:02
